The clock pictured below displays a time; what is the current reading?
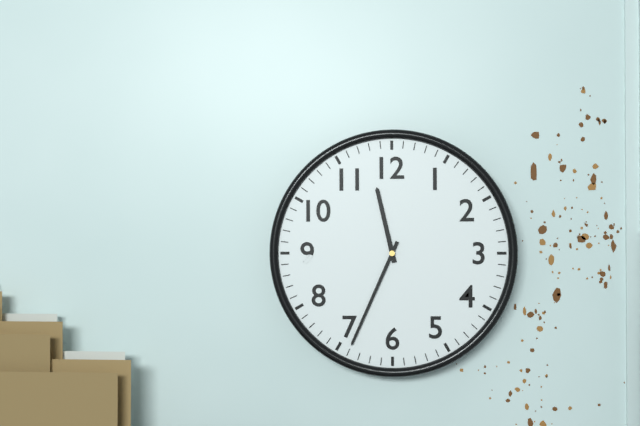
11:34
